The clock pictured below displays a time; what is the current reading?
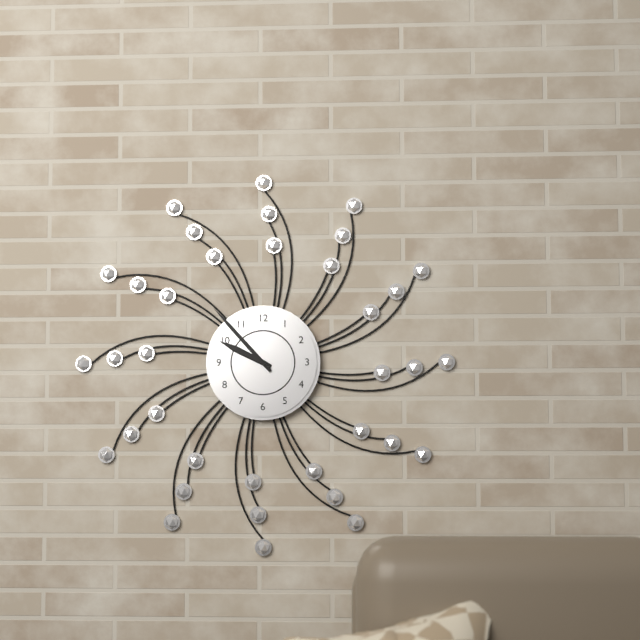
9:53
